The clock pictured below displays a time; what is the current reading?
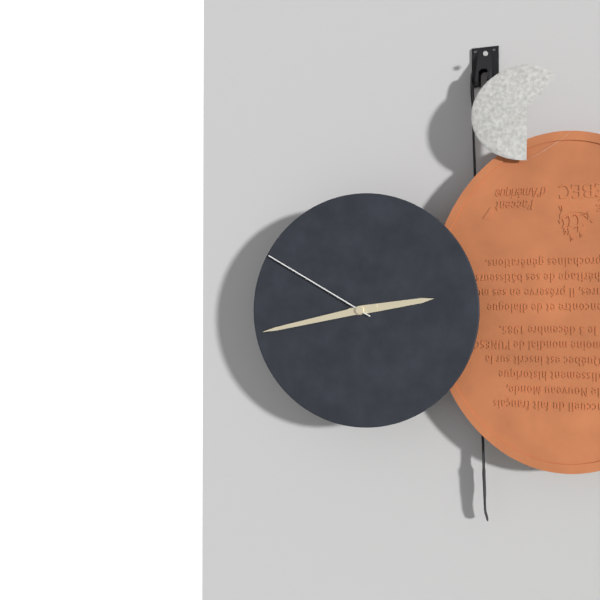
2:43:50
